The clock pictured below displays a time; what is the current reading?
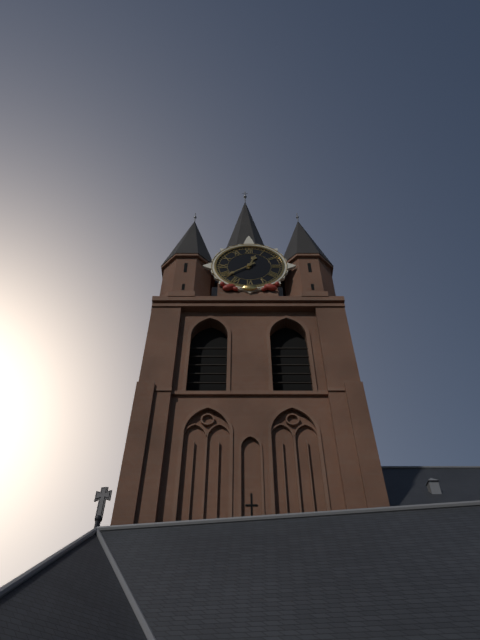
12:39
